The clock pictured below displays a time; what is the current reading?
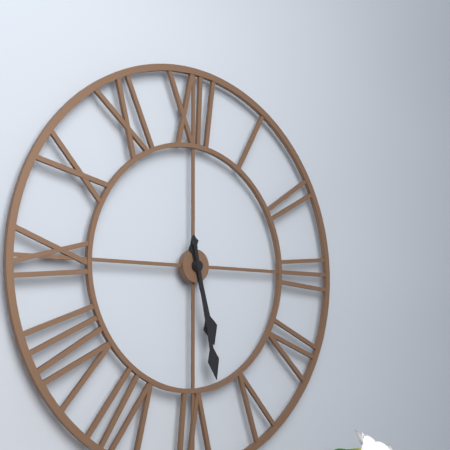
5:28
